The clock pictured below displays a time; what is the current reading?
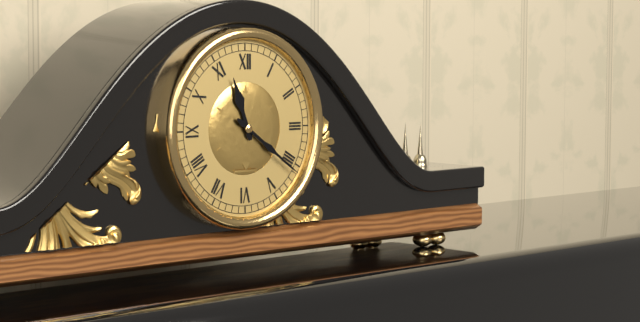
11:21
